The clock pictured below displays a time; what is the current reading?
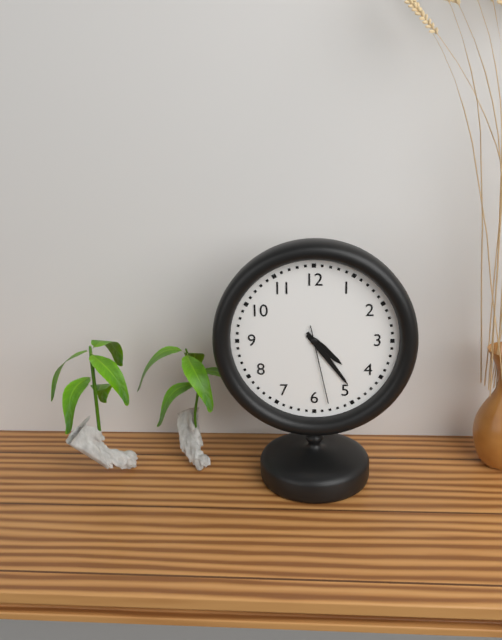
4:24:28
